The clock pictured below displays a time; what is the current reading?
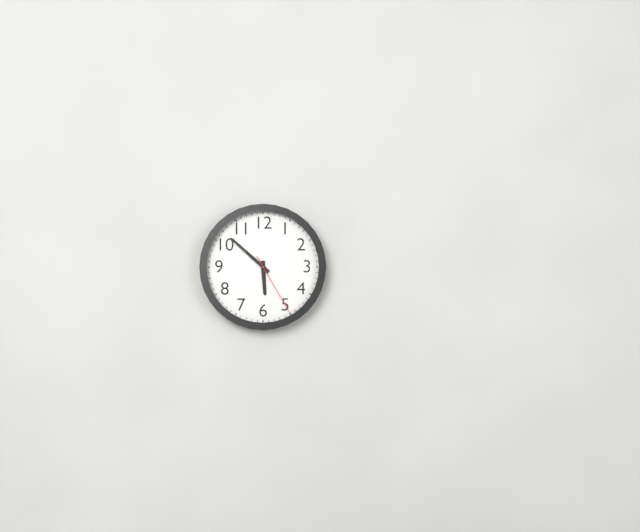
5:52:25
